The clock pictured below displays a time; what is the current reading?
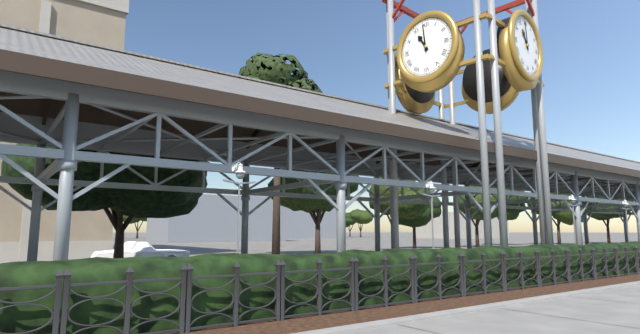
10:59
